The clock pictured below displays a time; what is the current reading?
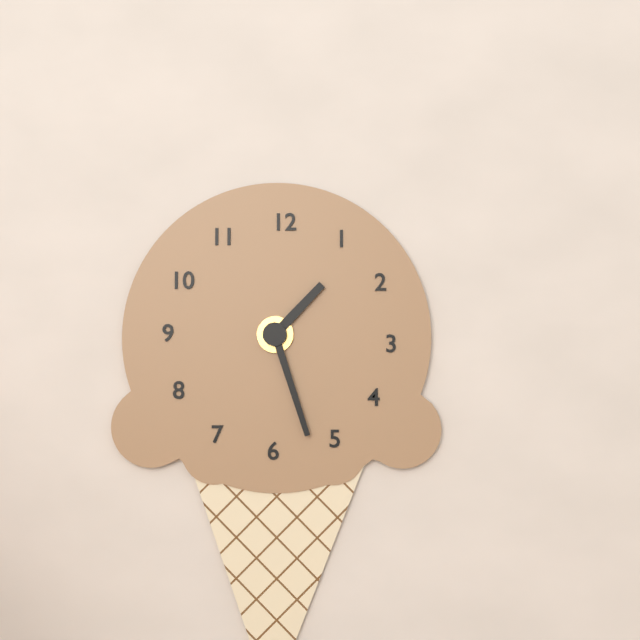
1:27
